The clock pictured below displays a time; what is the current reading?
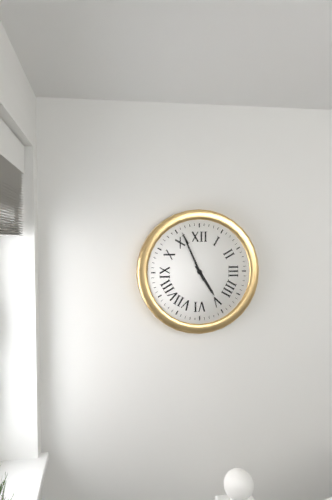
4:56
